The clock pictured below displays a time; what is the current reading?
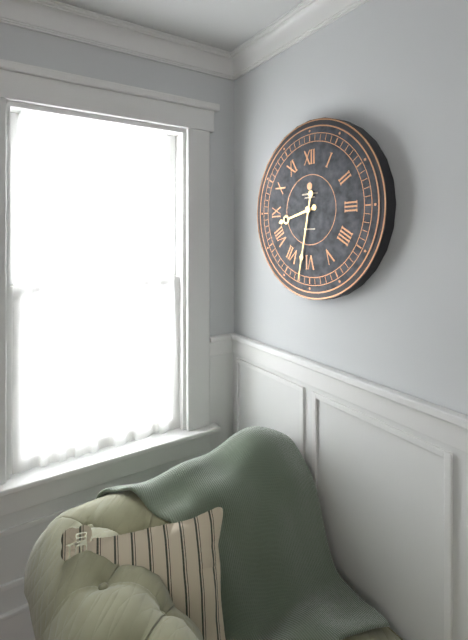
8:32
